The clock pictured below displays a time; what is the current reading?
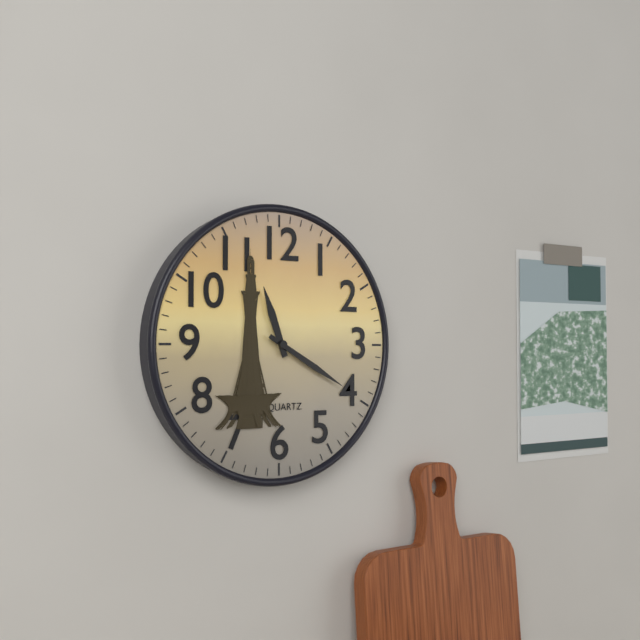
11:20
